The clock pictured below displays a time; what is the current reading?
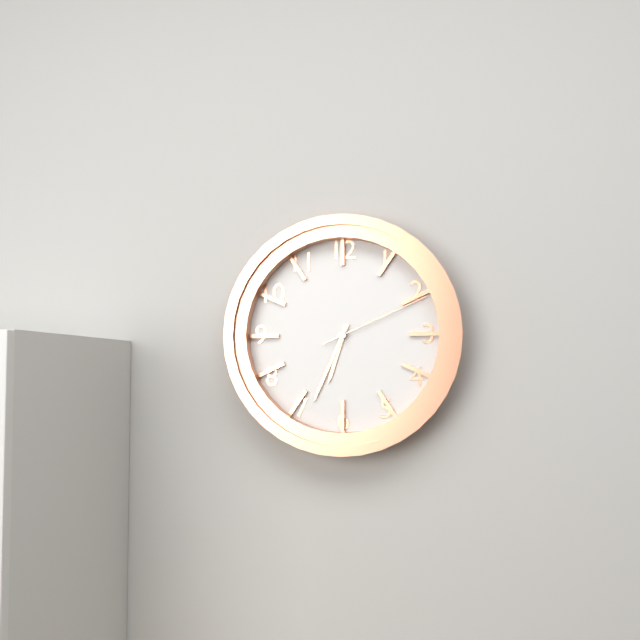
6:34:11
